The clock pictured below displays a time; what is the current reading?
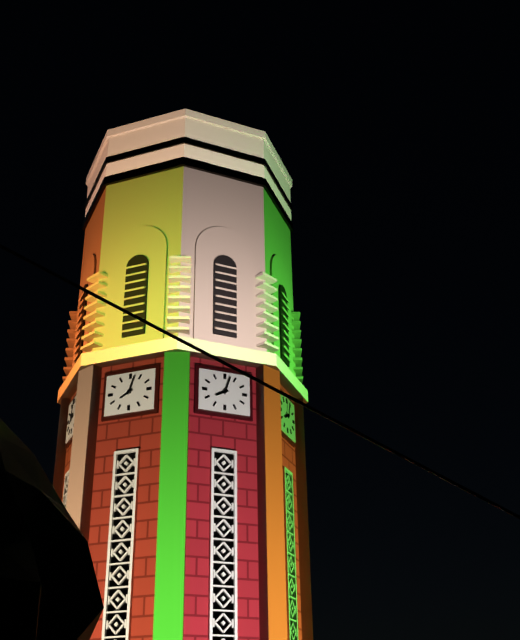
8:03
